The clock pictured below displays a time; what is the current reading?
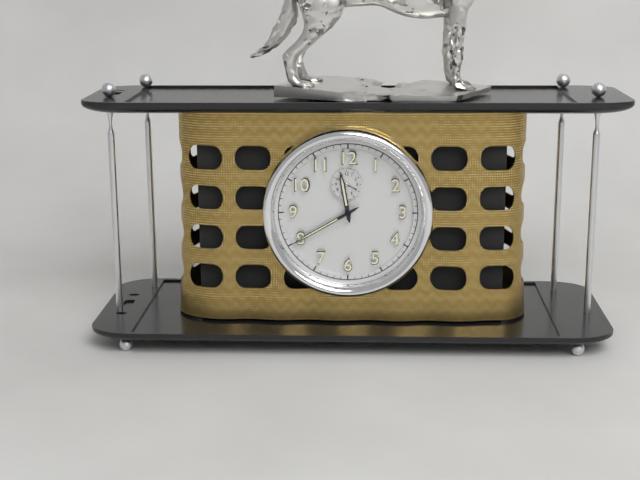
11:40
